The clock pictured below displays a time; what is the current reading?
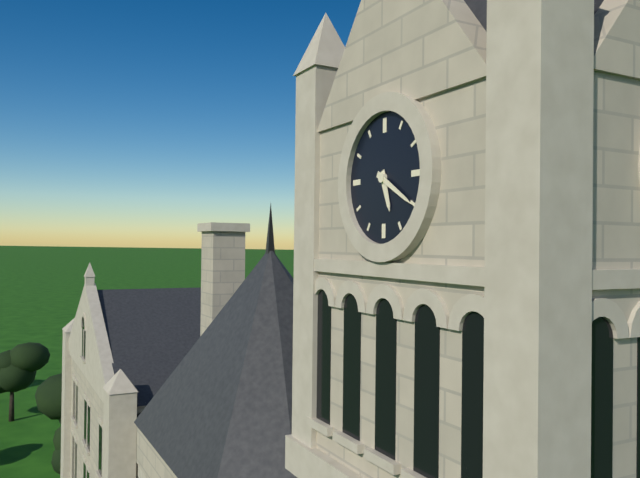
5:20
